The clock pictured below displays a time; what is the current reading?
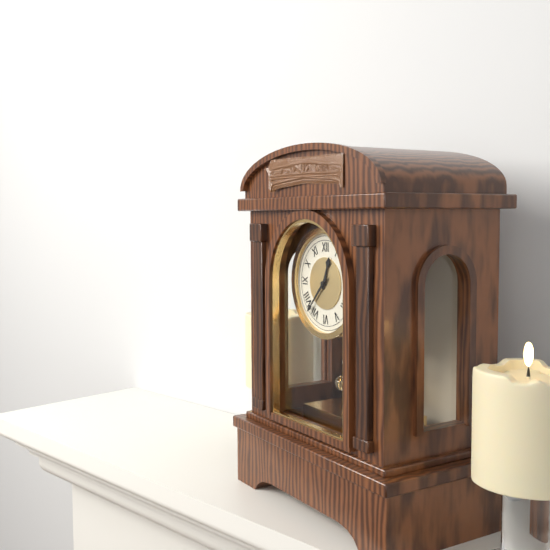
12:37
